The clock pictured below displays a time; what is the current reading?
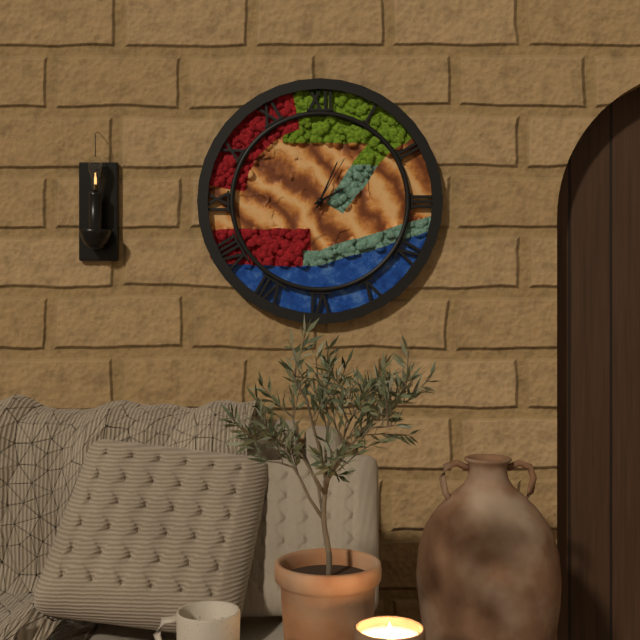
2:04:05
